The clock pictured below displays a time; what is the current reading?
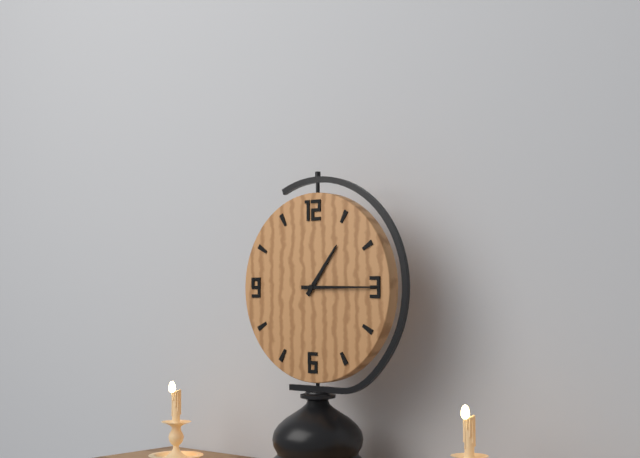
1:15
